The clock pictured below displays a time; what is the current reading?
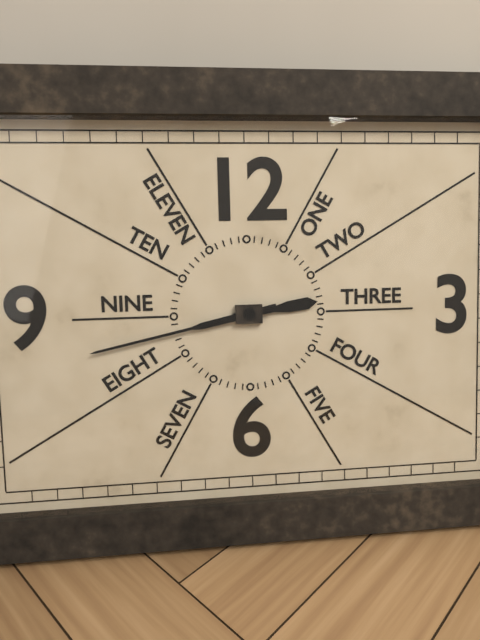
2:43
